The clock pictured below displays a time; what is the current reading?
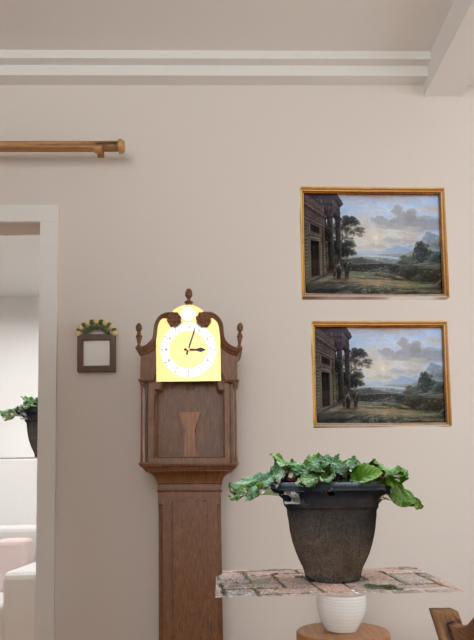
3:03
